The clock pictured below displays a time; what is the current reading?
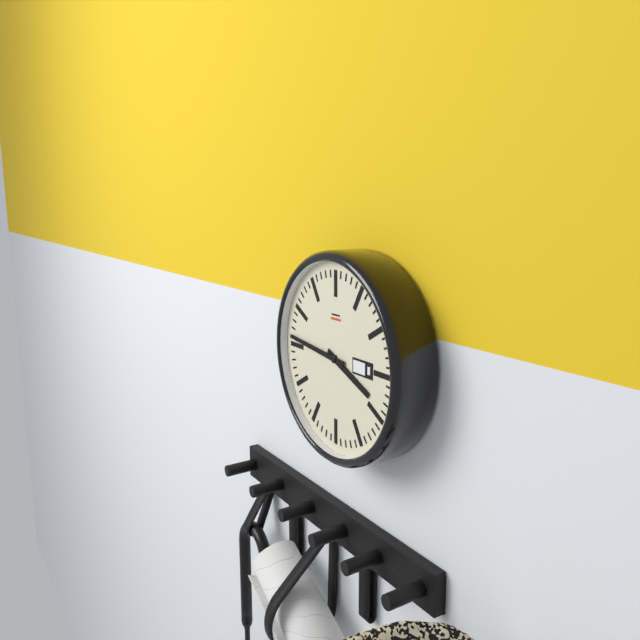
3:46
